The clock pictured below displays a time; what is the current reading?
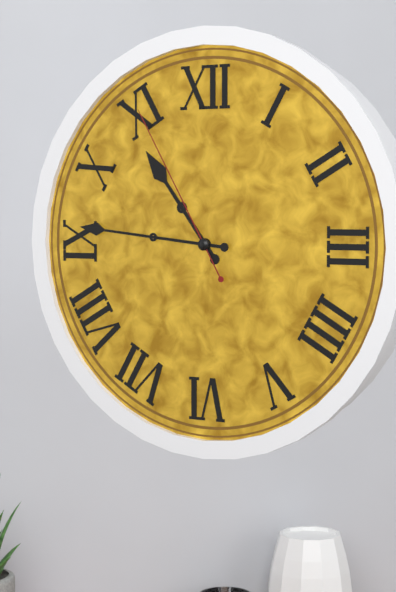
10:46:55
